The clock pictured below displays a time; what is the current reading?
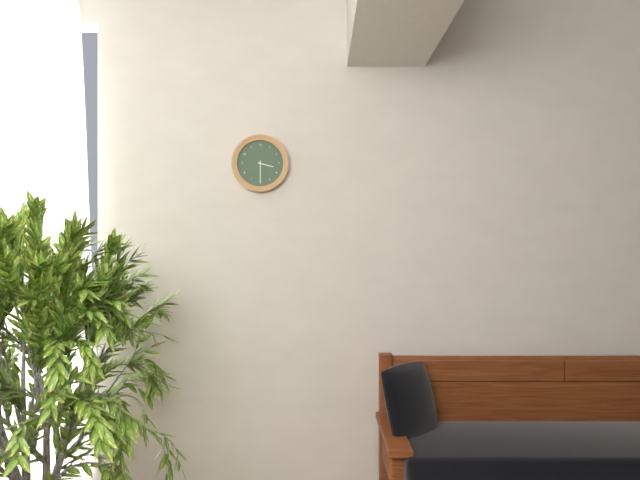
3:30
